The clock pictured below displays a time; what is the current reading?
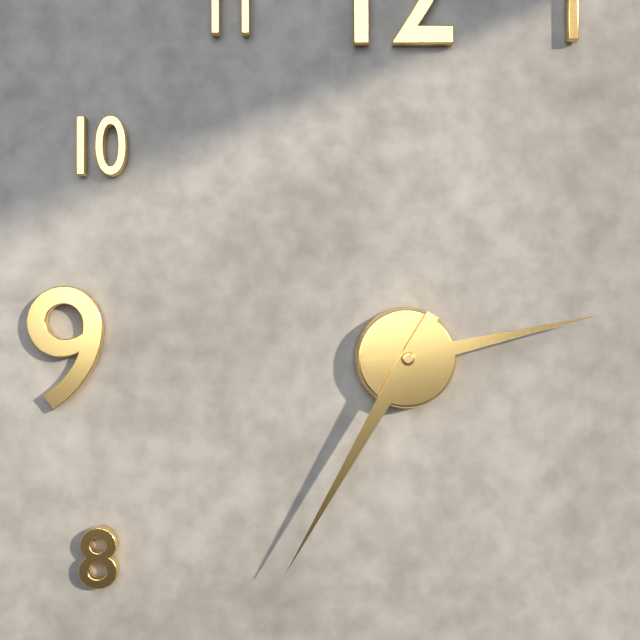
2:35
